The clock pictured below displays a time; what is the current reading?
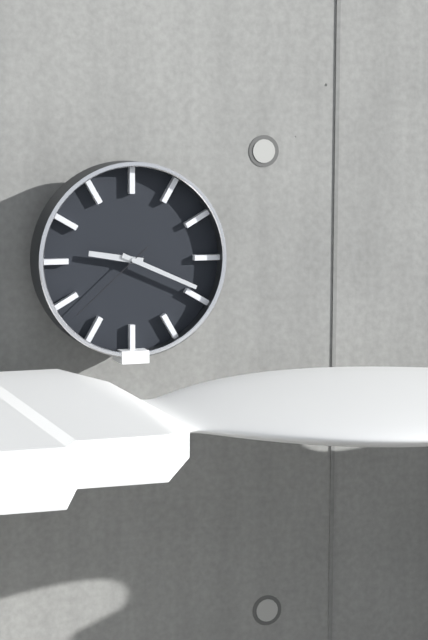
9:19:38
